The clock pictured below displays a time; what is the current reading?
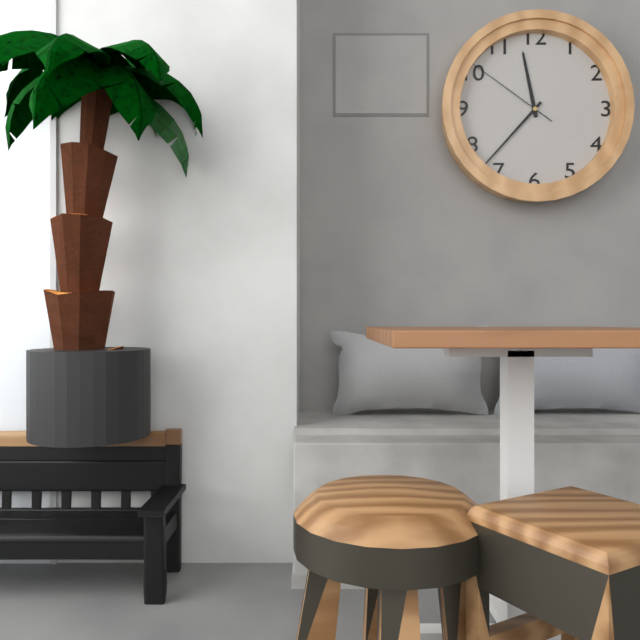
11:37:51
